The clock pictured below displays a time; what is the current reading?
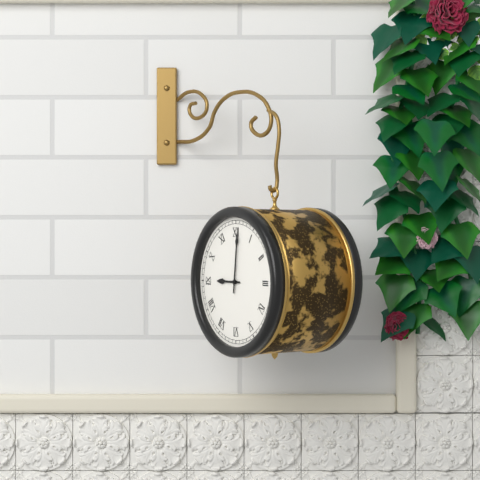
9:01
